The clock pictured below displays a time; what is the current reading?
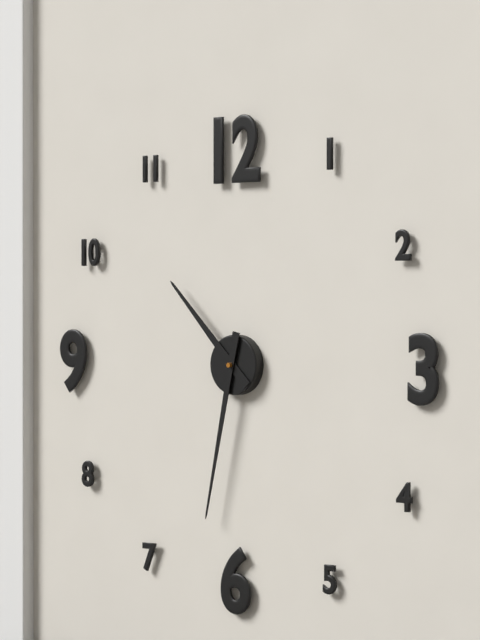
10:32
